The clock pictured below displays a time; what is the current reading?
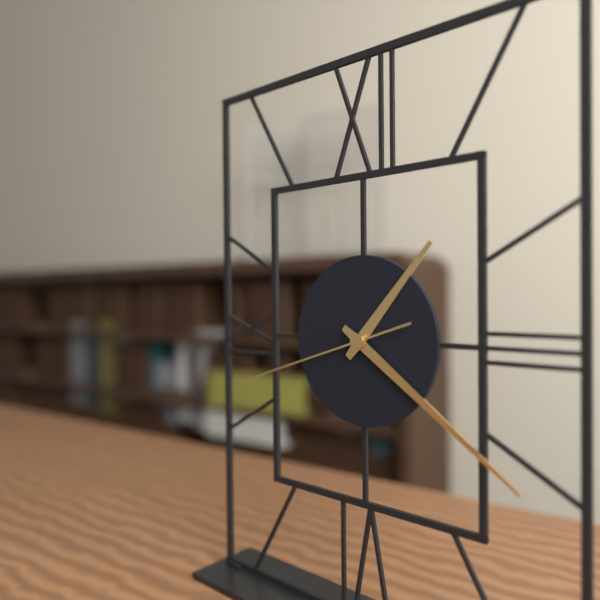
1:21:42
